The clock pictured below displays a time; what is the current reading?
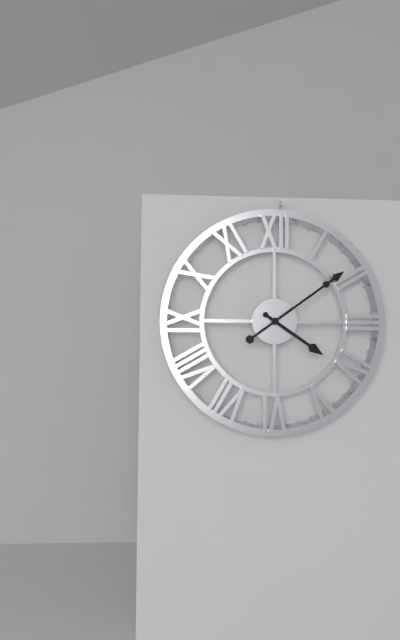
4:09
